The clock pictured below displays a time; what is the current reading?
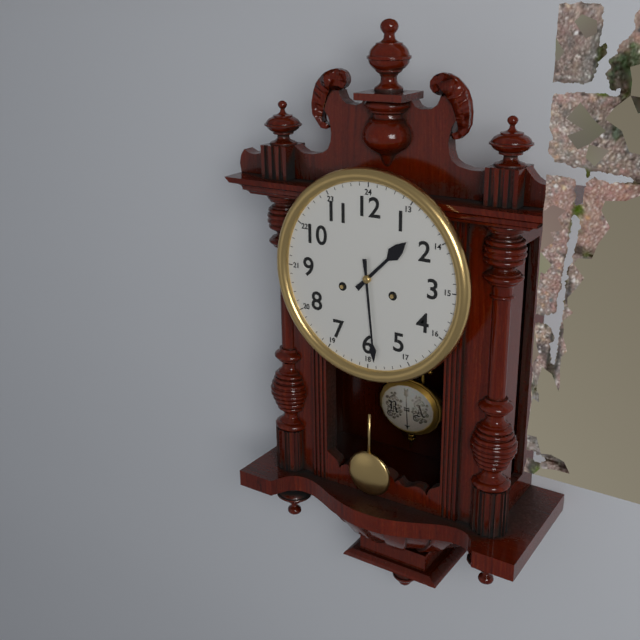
1:29
